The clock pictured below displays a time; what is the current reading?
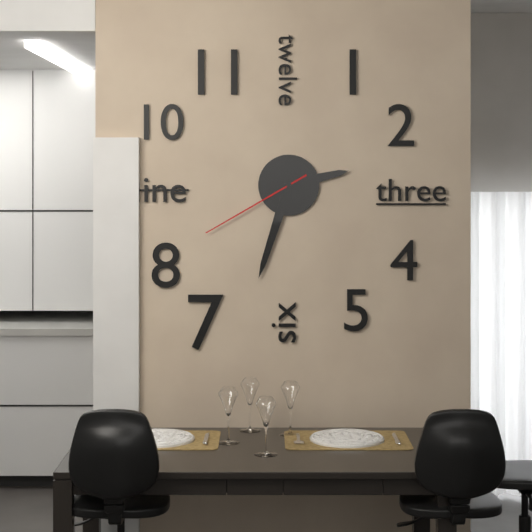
2:33:40
